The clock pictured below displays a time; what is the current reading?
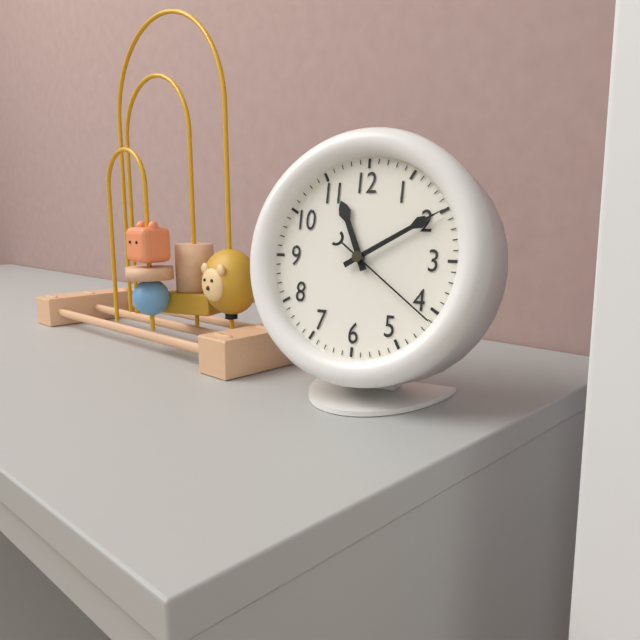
11:10:21
